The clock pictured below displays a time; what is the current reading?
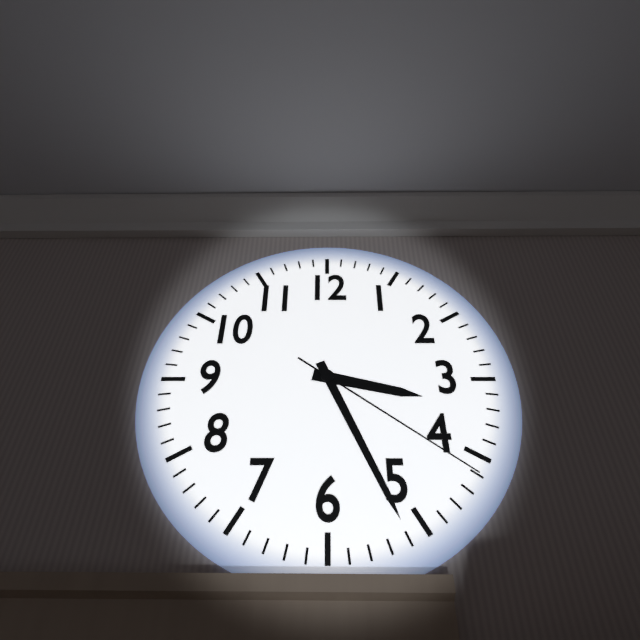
3:26:21
